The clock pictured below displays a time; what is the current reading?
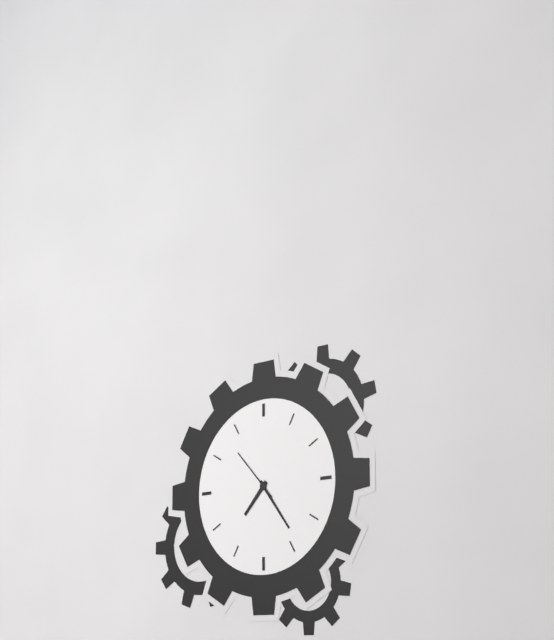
7:24:53
